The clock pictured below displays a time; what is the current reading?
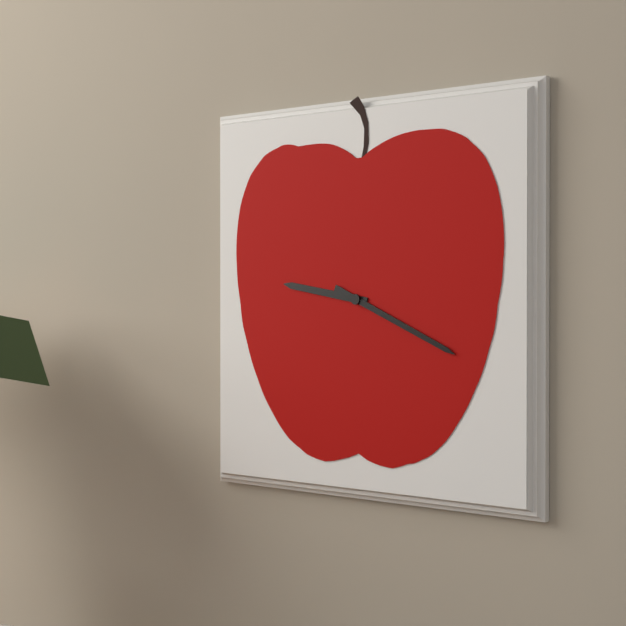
9:19
